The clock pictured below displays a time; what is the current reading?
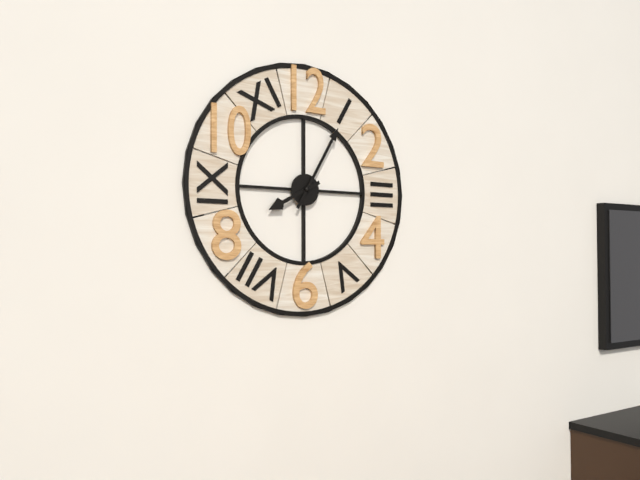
8:05
